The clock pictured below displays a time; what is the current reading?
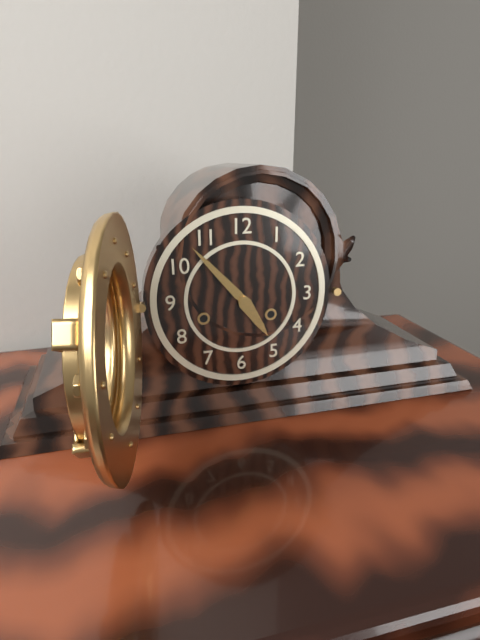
4:53
